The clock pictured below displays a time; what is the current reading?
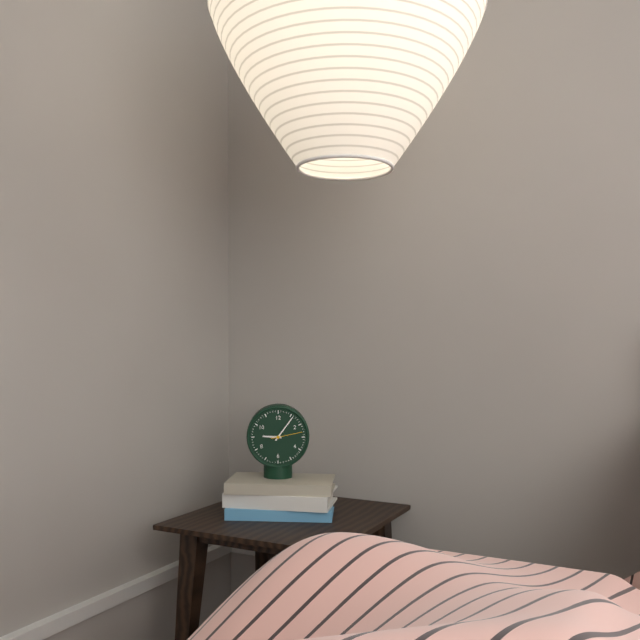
9:06
